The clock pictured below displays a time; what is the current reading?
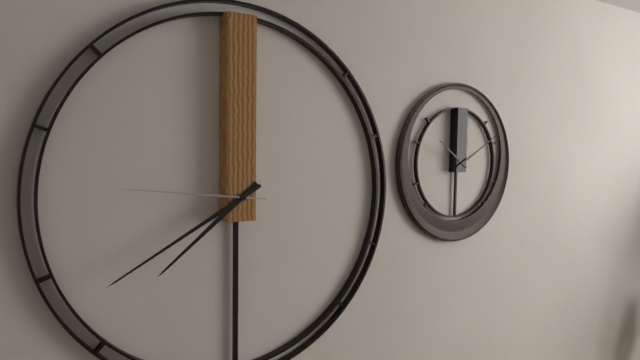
7:40:46
